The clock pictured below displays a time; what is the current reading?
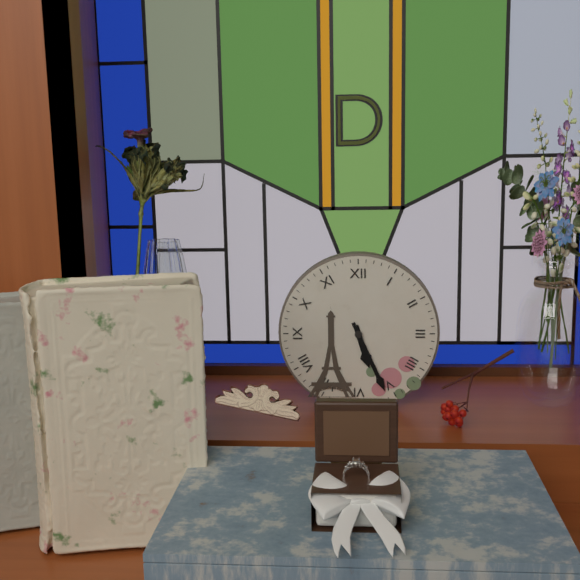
5:26
